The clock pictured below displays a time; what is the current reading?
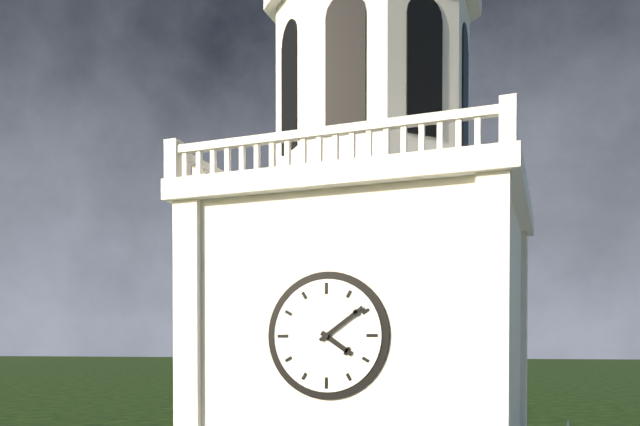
4:09
